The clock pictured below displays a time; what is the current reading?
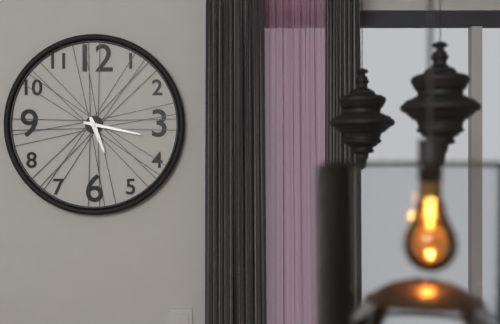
5:17
